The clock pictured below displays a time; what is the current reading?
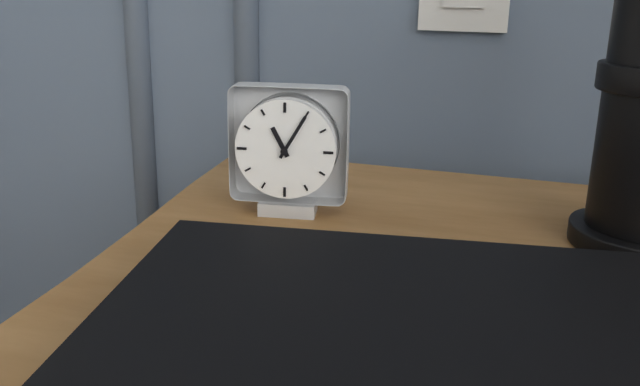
11:05
